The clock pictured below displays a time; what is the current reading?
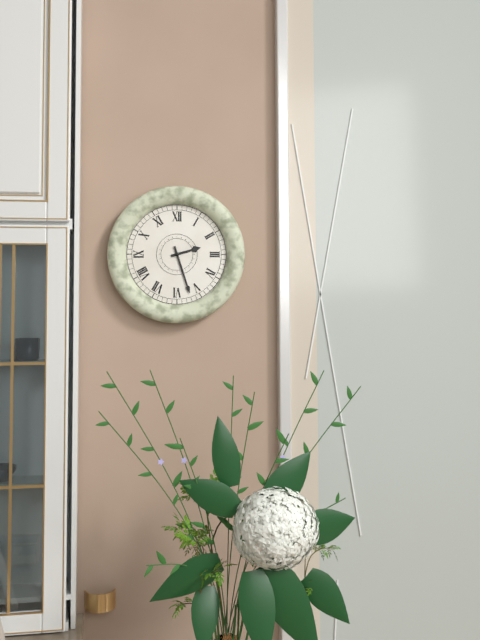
2:27
